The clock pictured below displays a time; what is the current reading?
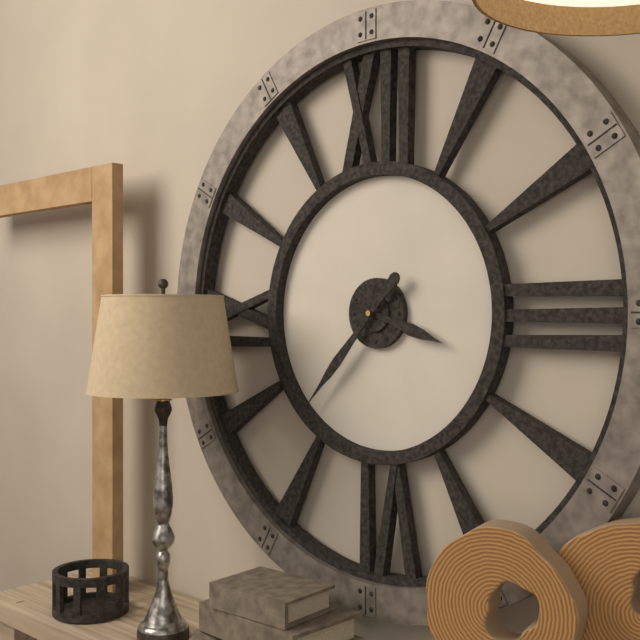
3:37
